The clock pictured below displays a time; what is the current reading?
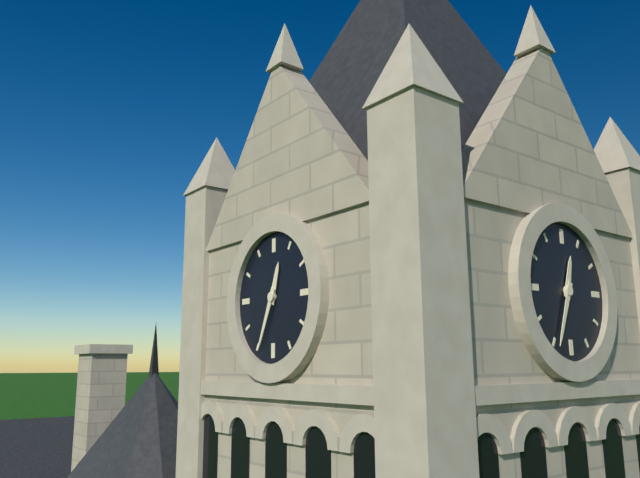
12:34
